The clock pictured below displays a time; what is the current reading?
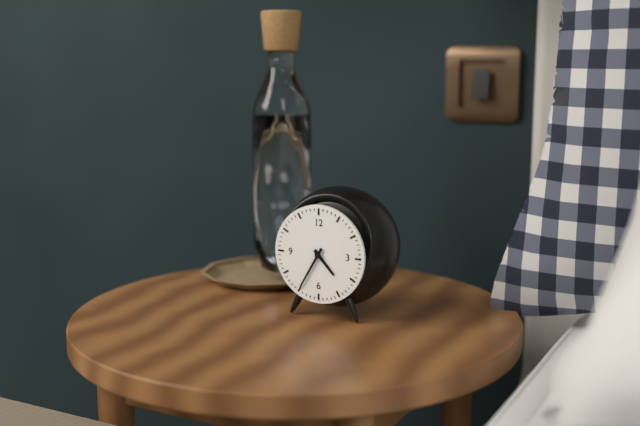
4:35
